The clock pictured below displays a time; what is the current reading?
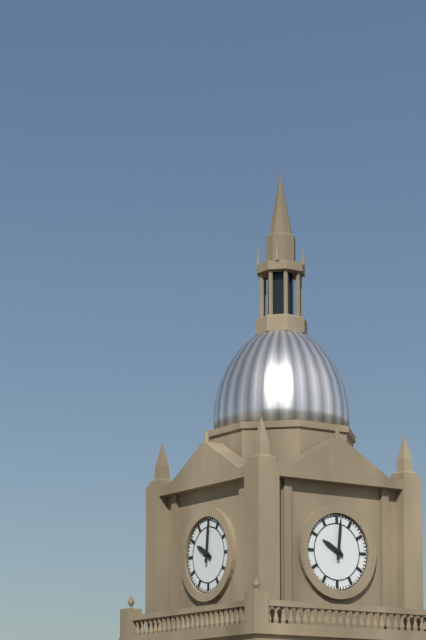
10:01
